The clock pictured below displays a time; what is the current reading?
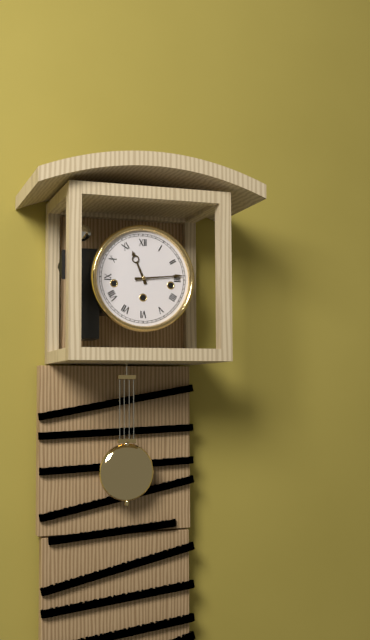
11:14
